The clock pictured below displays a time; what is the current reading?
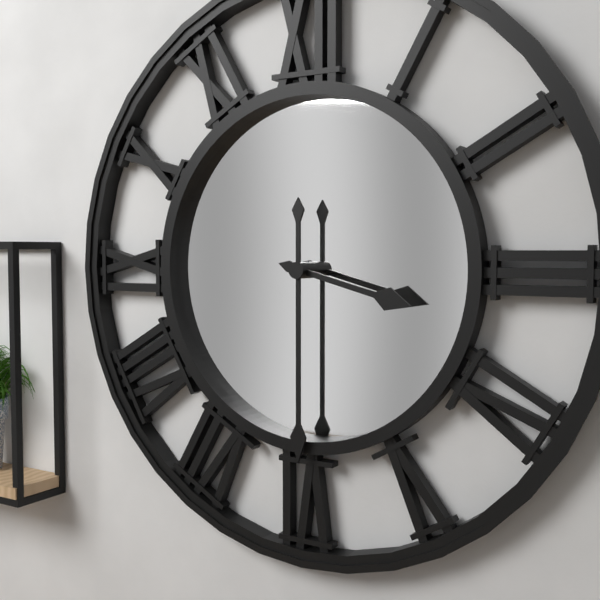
3:30
